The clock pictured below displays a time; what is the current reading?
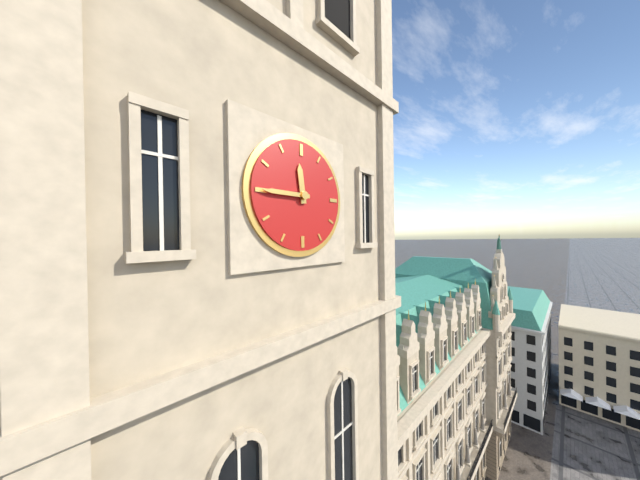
11:45
